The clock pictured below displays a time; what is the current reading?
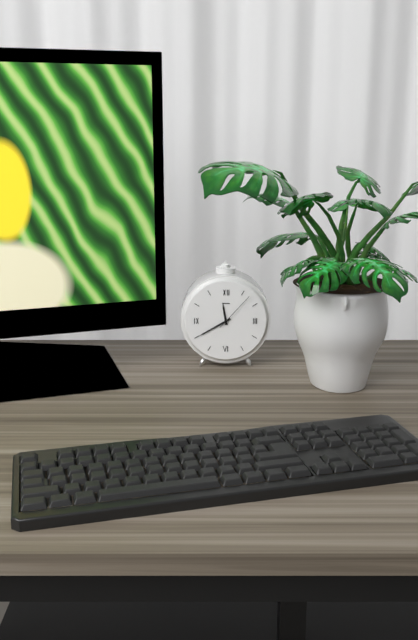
11:40
